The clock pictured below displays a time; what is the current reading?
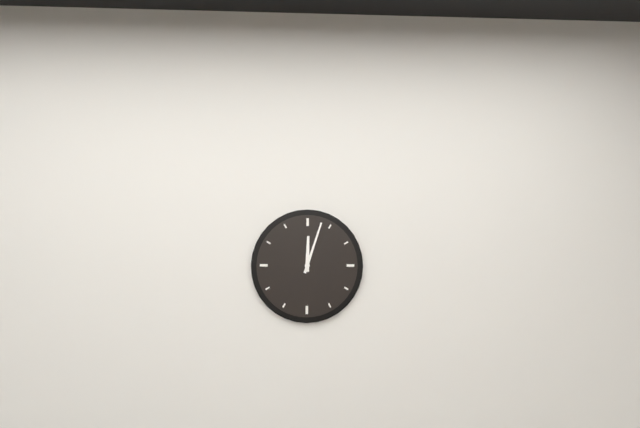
12:03
